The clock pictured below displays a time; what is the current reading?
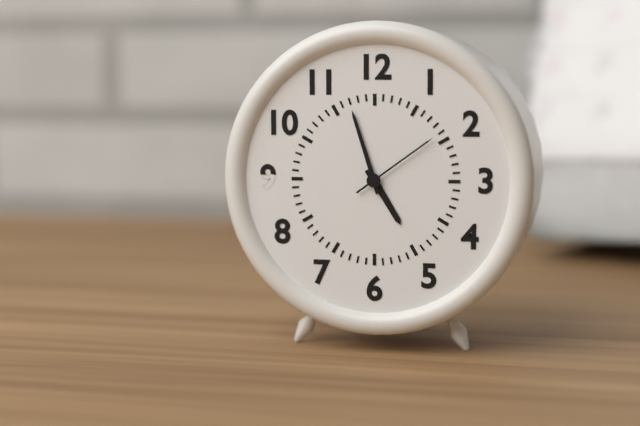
4:57:09
